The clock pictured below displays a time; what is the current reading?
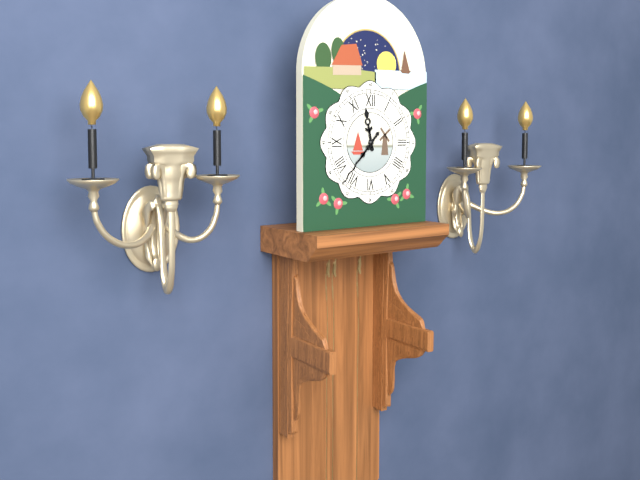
11:37
